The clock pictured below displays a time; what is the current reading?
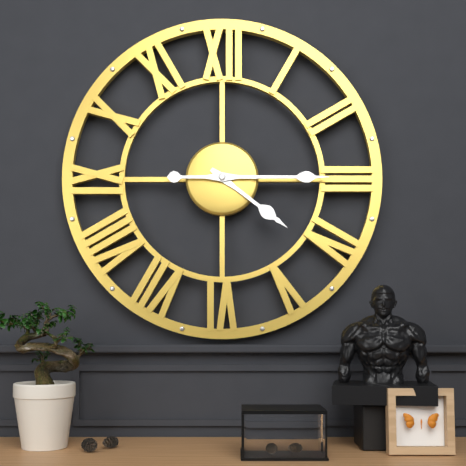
4:15
